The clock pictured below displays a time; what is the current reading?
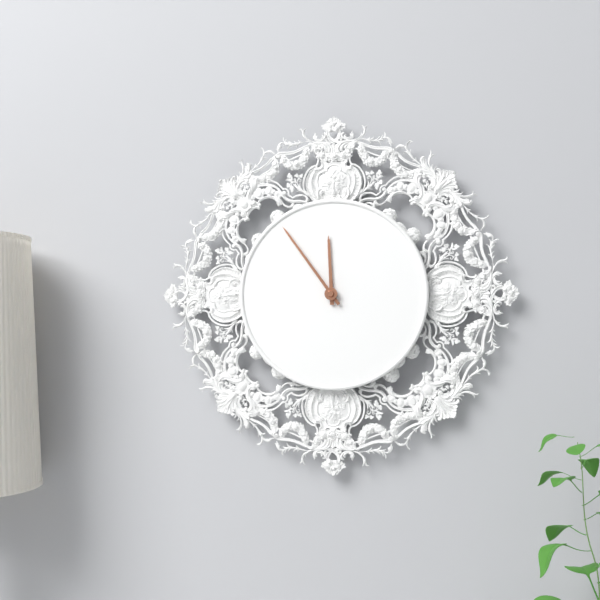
11:54
